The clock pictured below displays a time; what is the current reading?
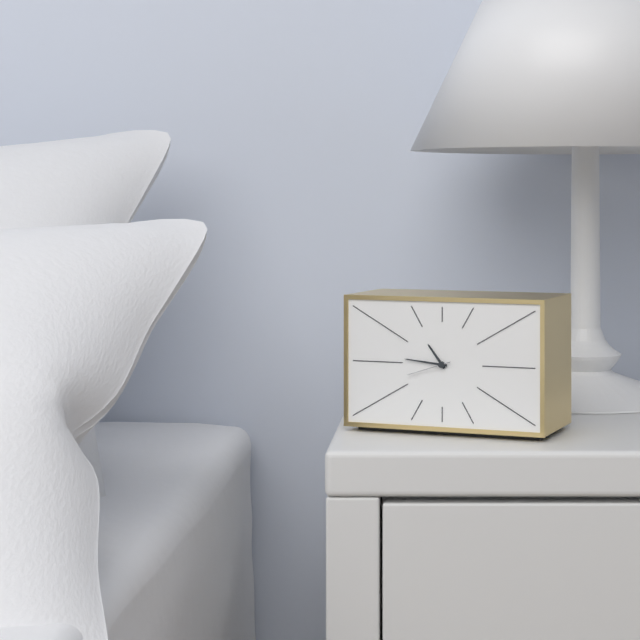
10:46
